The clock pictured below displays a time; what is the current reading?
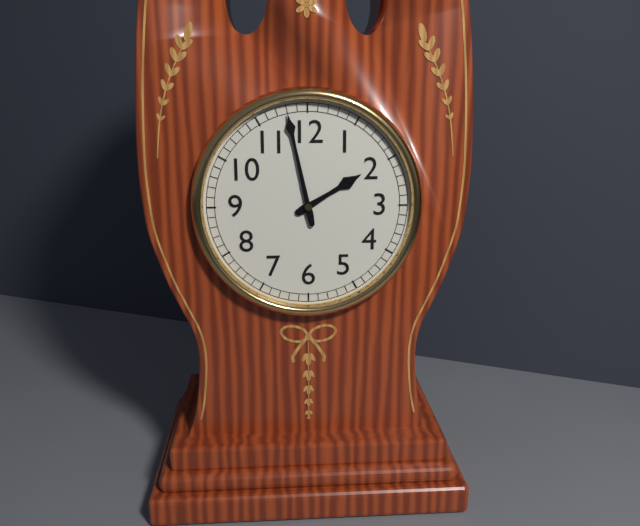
1:58
